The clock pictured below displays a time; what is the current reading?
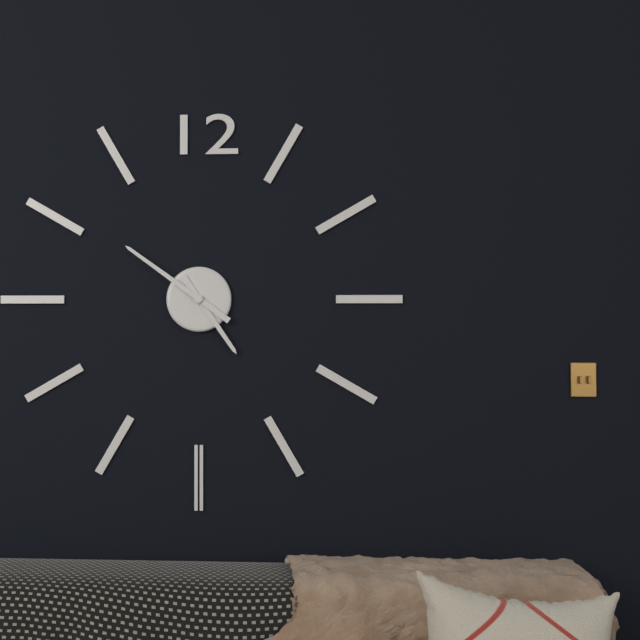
4:51
